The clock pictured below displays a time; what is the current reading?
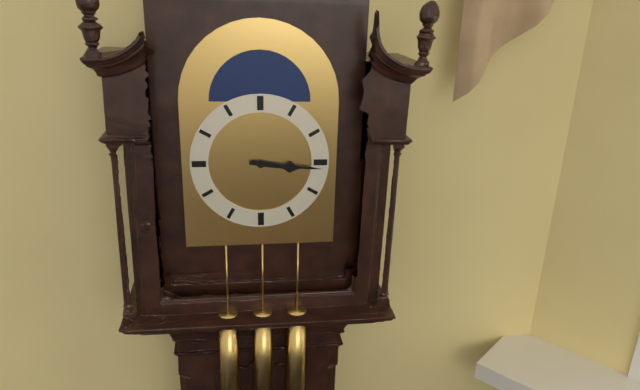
3:16
